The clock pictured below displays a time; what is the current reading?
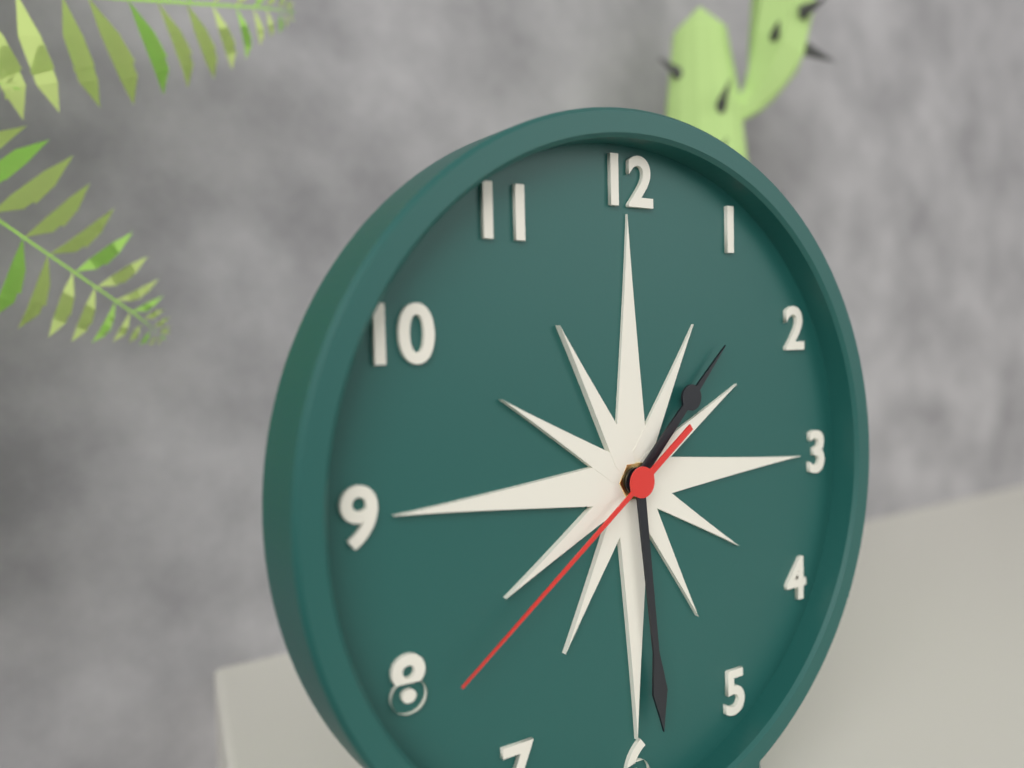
1:29:39
